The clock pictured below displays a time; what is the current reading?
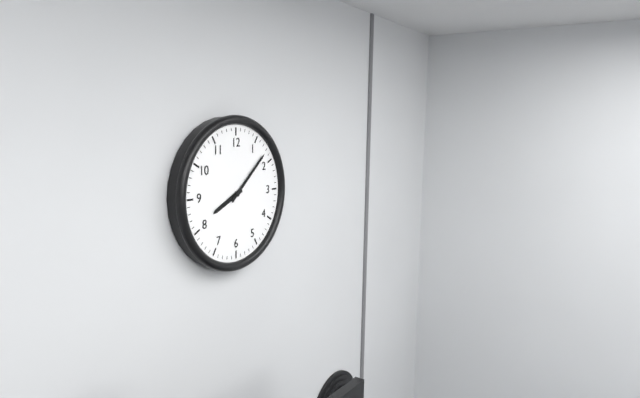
8:08
